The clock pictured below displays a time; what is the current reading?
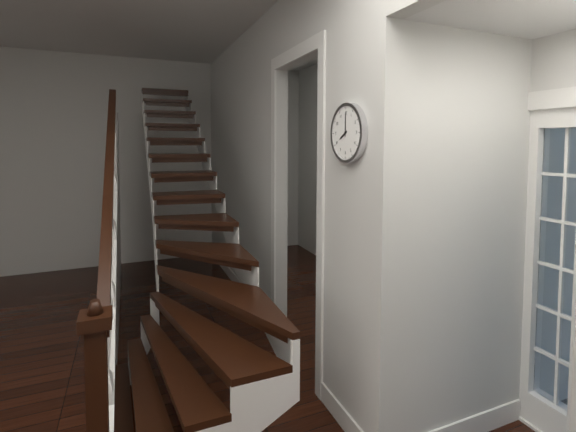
8:00
